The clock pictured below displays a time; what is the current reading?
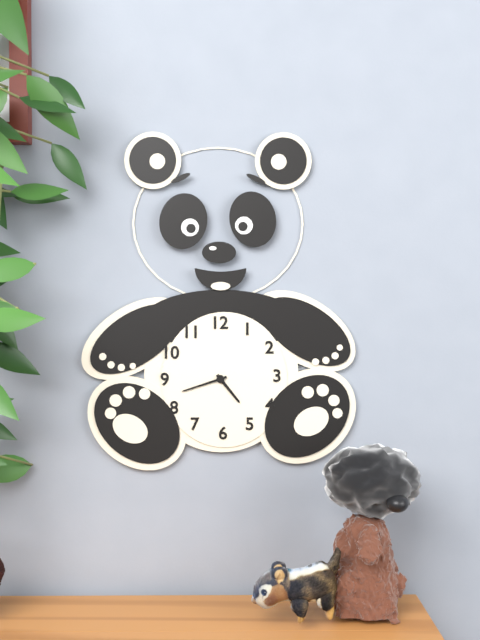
4:42
